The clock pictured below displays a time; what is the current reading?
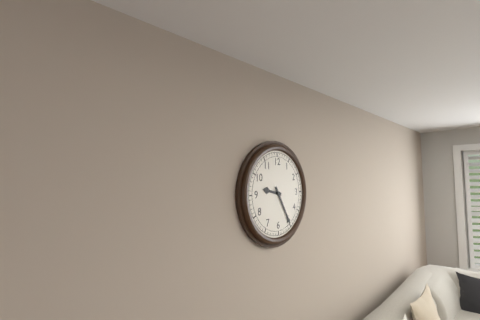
9:25
